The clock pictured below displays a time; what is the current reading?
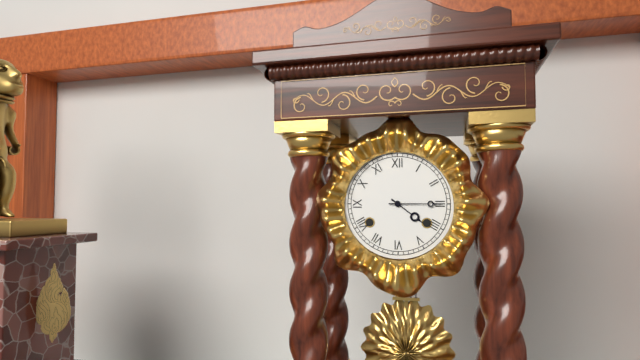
4:15
